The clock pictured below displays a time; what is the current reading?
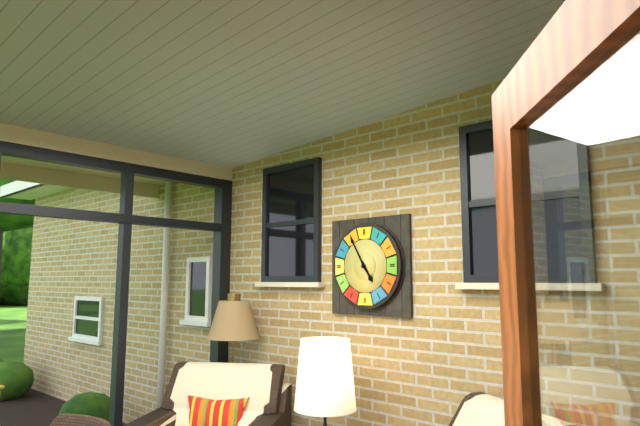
4:55
